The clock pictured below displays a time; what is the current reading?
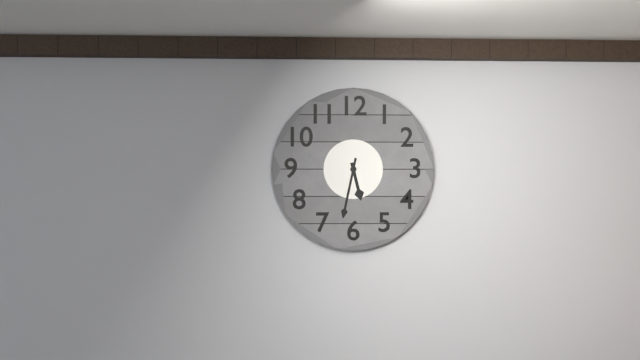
5:32
